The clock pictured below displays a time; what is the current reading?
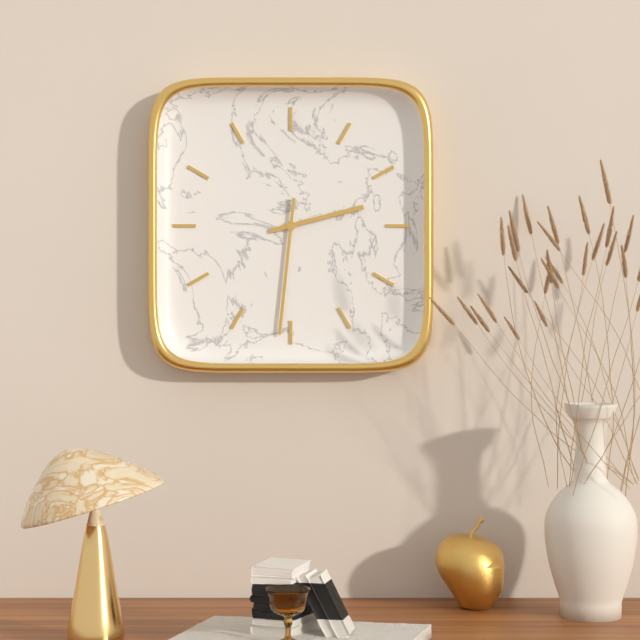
2:31
